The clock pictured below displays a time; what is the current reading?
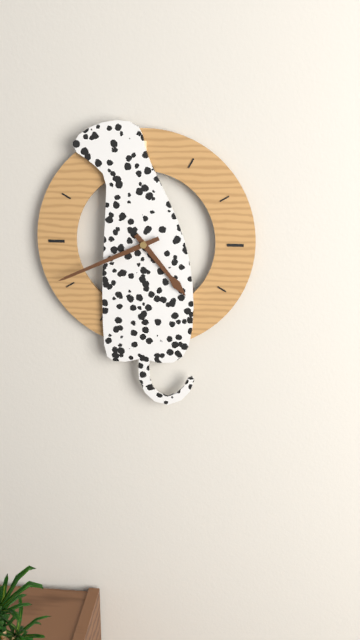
4:41
